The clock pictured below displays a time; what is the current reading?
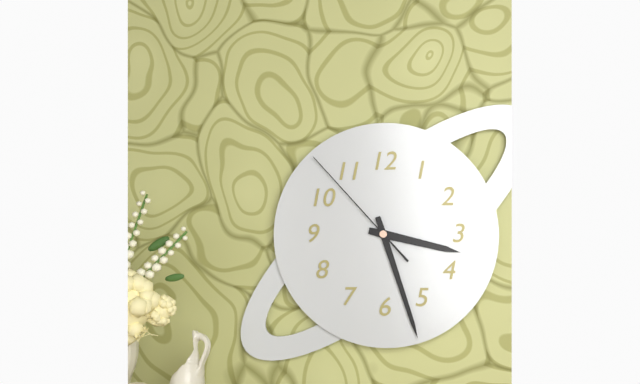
3:27:53
